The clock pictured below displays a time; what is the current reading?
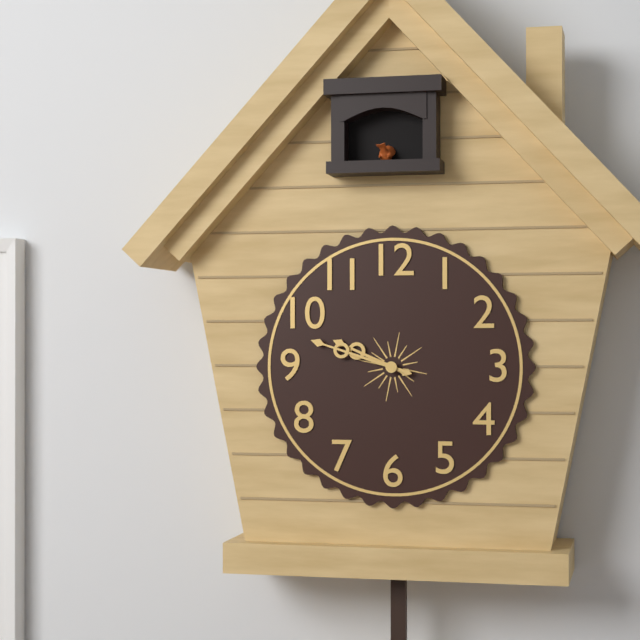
9:48
